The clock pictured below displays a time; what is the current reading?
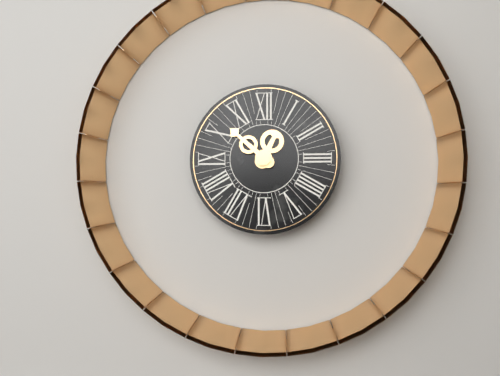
12:52
